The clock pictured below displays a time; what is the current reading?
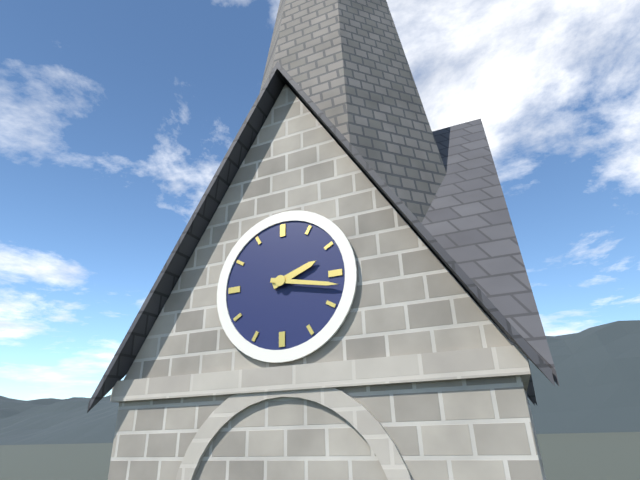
2:17
